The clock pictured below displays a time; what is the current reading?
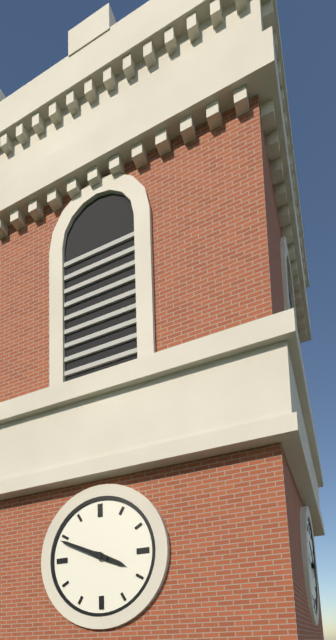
3:49
